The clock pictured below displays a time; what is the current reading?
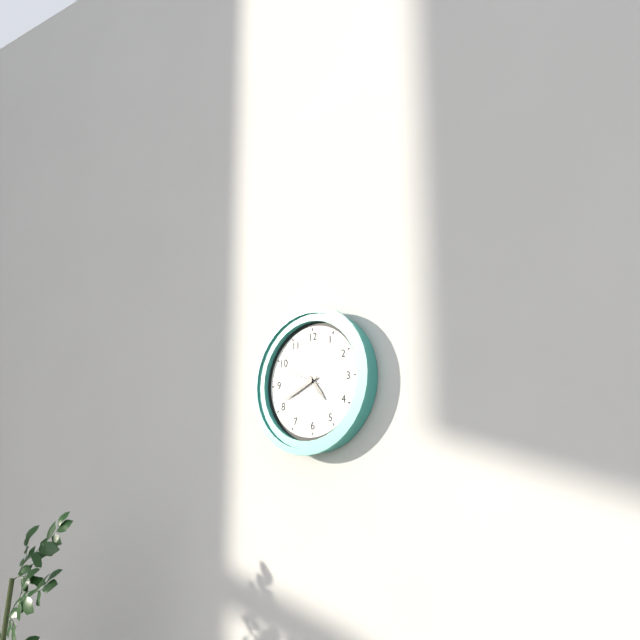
4:41
